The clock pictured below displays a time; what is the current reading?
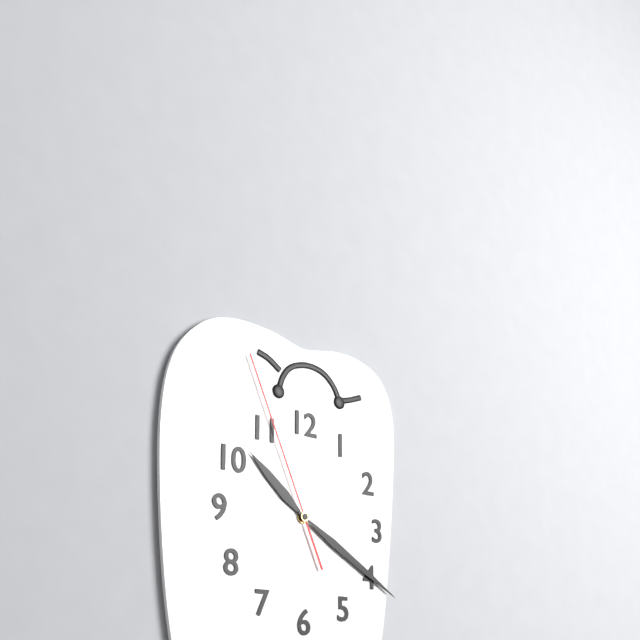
10:20:56
